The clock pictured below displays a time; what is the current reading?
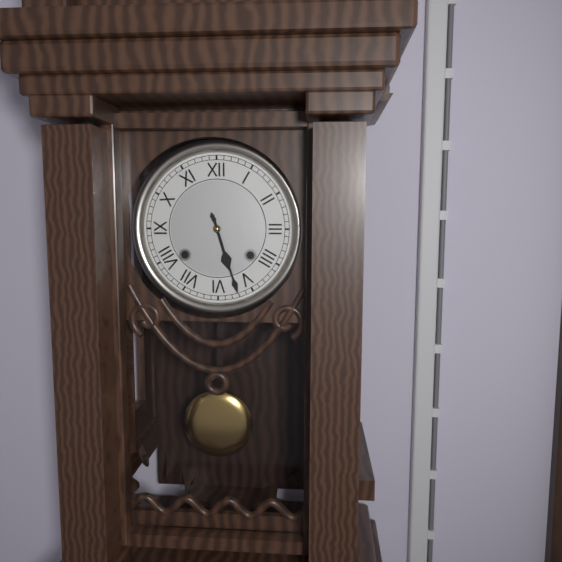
5:27
